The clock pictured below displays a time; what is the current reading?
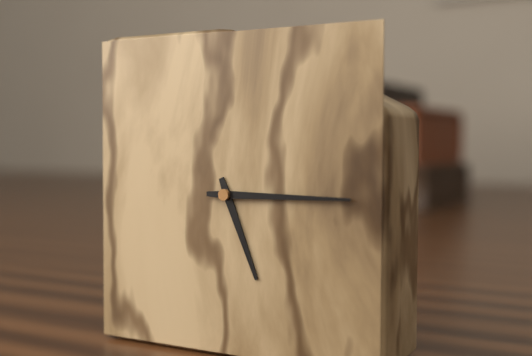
5:15
